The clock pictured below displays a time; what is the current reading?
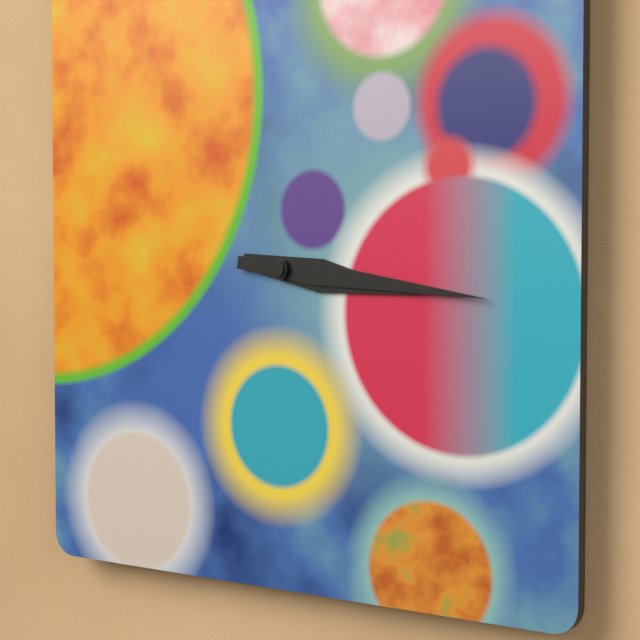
3:16
